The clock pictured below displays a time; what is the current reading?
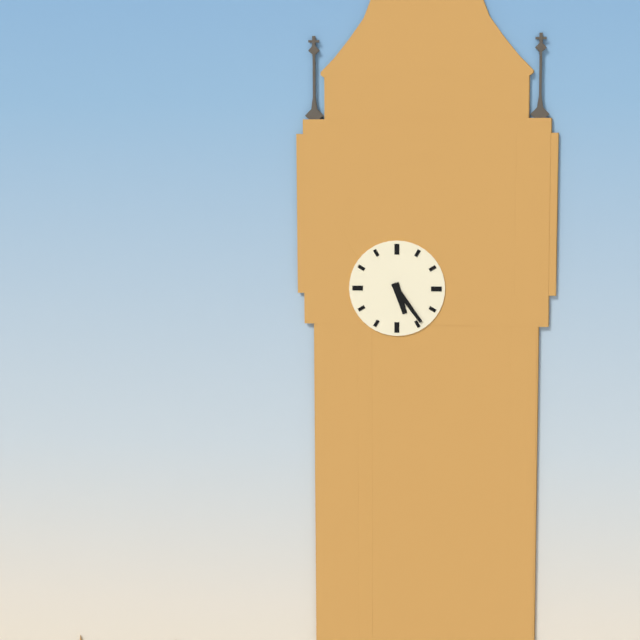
5:24
